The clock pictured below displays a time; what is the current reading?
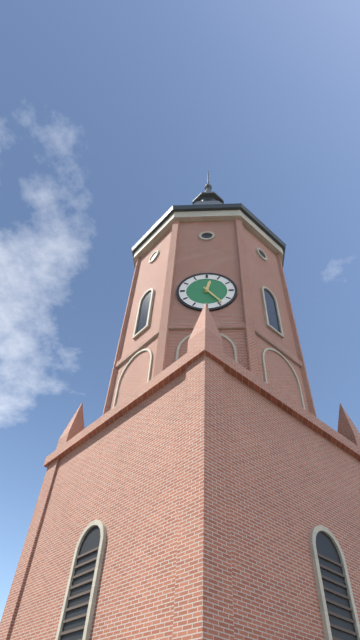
12:24
